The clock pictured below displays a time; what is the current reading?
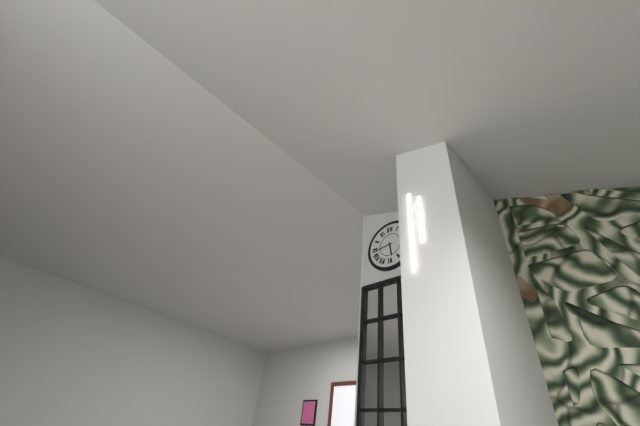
5:44
